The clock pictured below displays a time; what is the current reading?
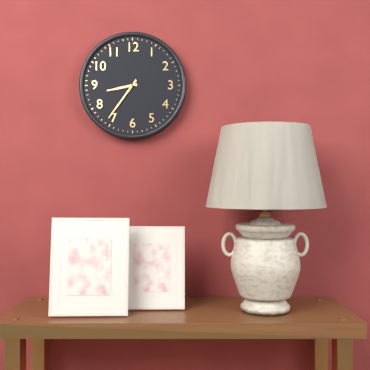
8:36
